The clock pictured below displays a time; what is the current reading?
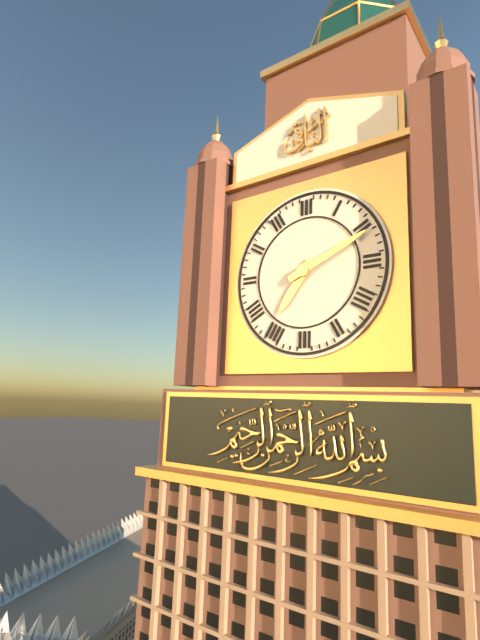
7:11
